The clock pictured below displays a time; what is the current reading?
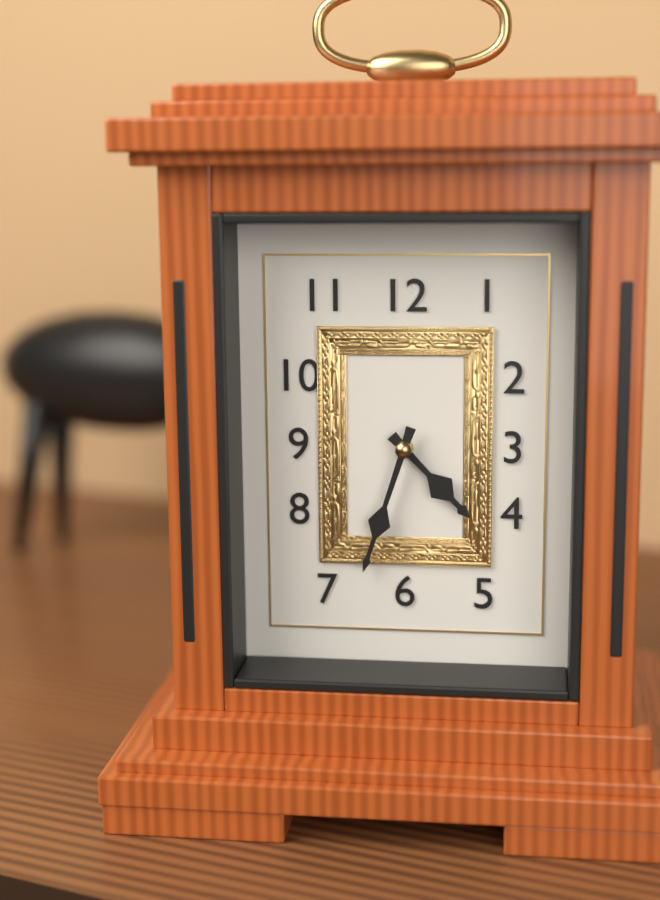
4:33
